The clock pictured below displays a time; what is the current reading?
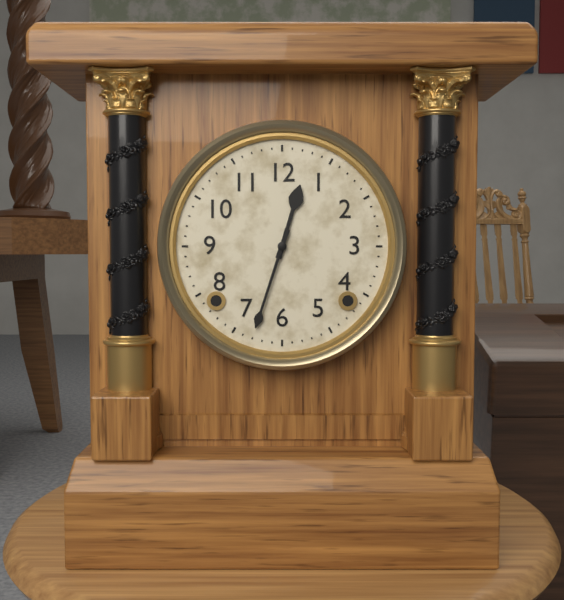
12:33
